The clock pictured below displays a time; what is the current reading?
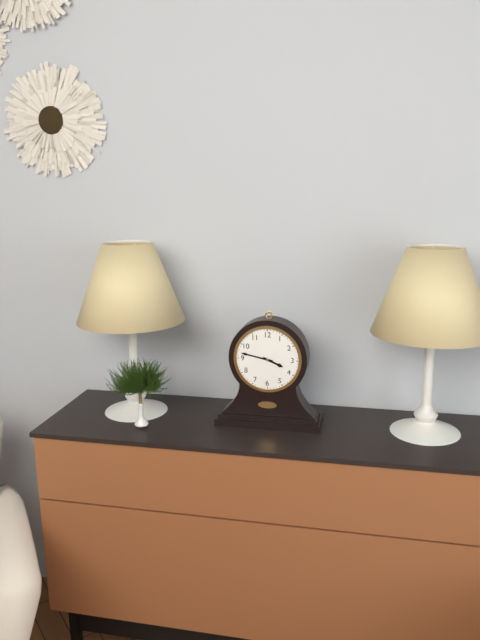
3:47
